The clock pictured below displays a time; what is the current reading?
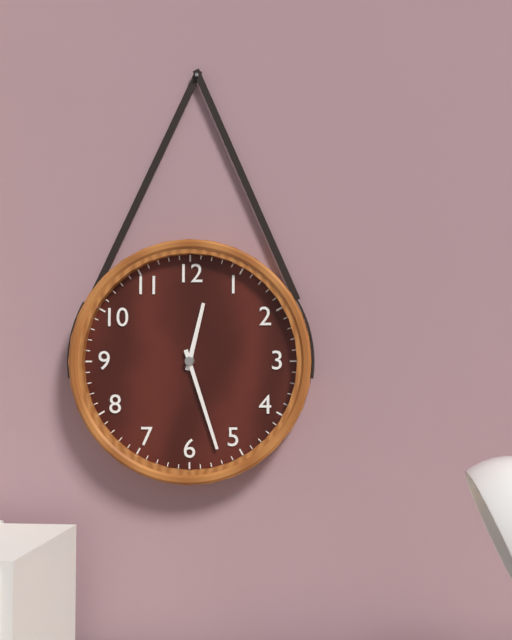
12:27
